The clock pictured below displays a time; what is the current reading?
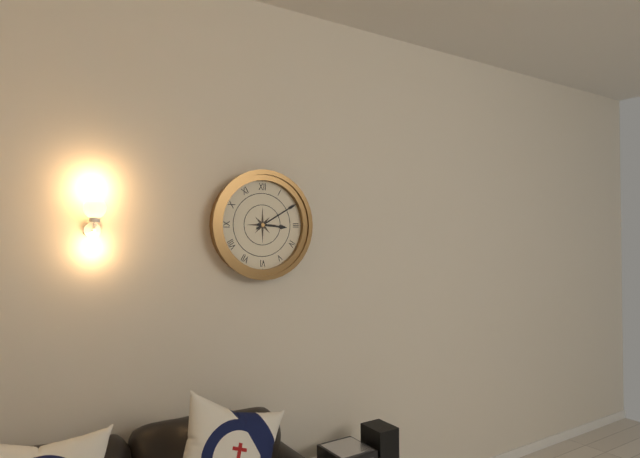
3:10
